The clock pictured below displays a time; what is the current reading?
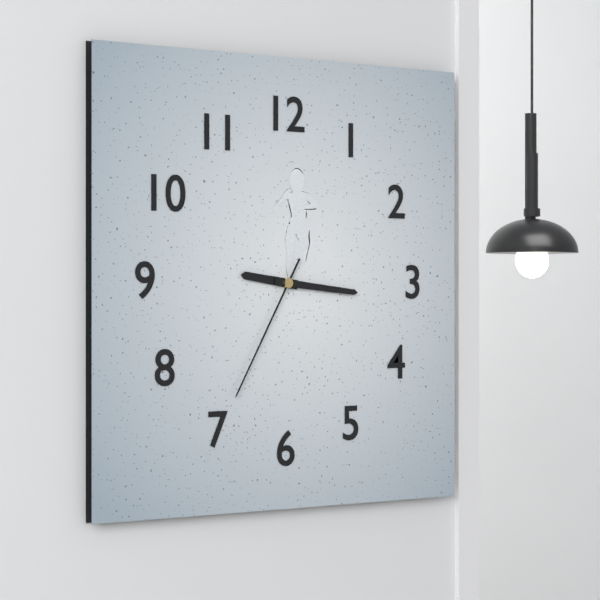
9:16:35
